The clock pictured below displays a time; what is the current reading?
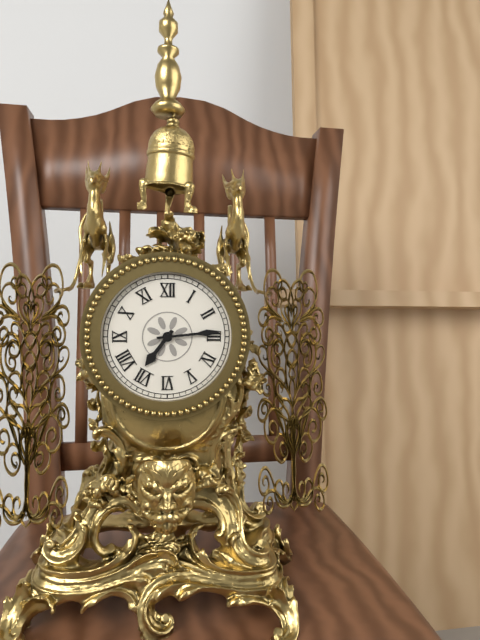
7:14
